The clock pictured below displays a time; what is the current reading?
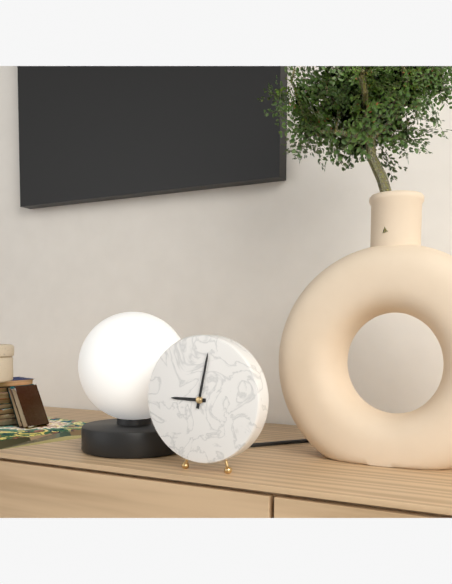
9:02
